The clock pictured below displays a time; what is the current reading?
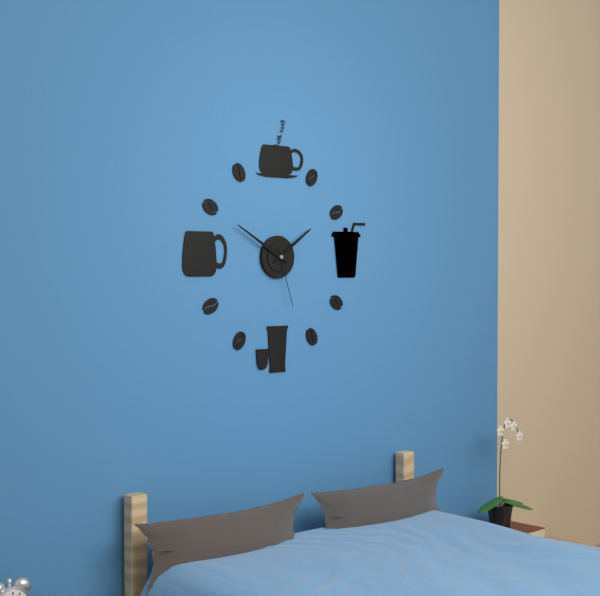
1:50:27
